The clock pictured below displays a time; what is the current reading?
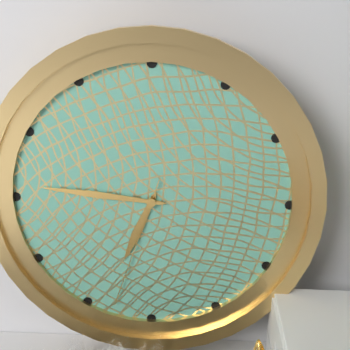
6:46:33
